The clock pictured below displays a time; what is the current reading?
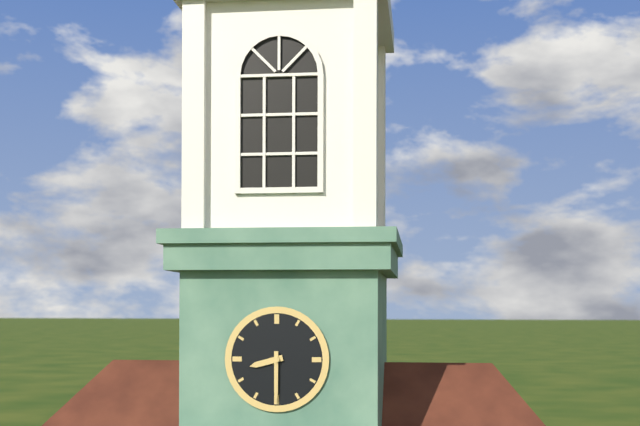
8:30
